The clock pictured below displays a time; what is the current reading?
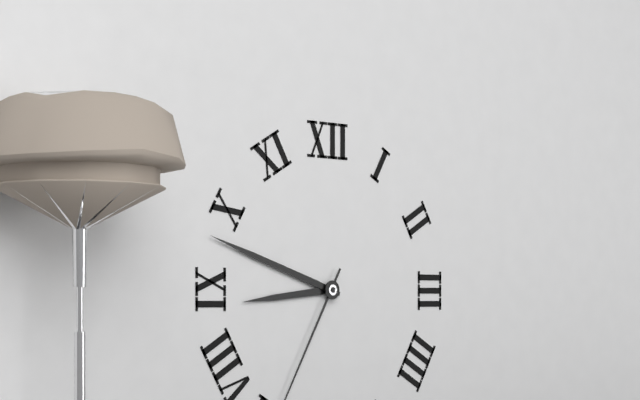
8:48
